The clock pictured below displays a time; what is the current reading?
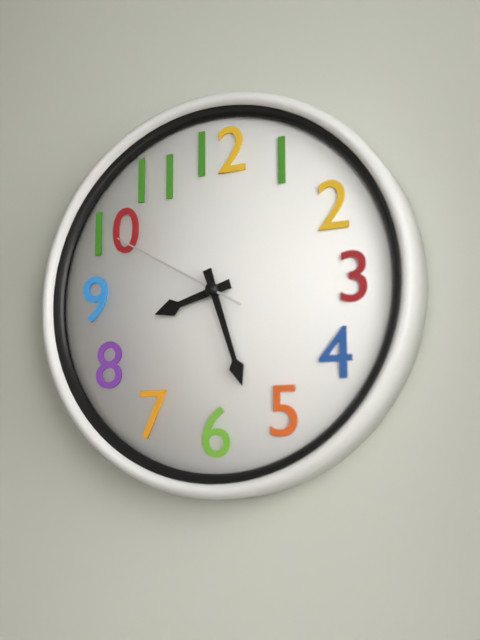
8:27:50
